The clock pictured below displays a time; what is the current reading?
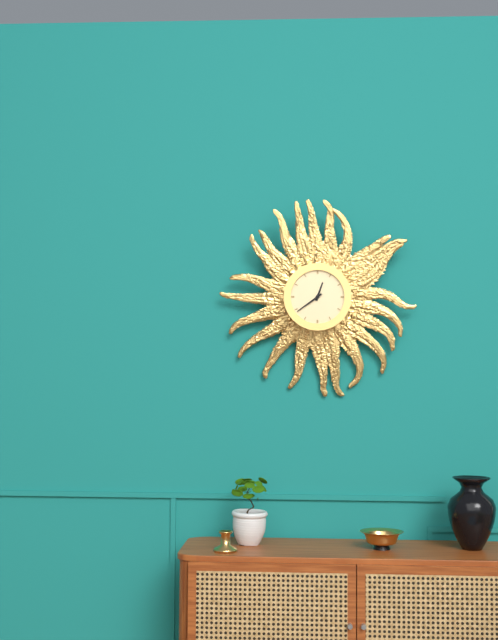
12:39
